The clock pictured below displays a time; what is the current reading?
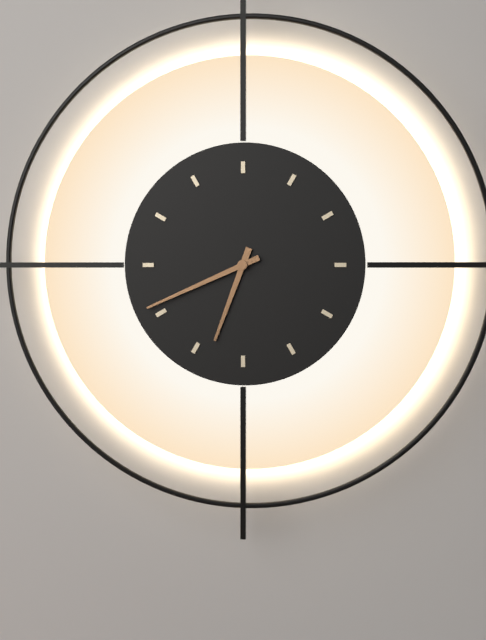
6:41
